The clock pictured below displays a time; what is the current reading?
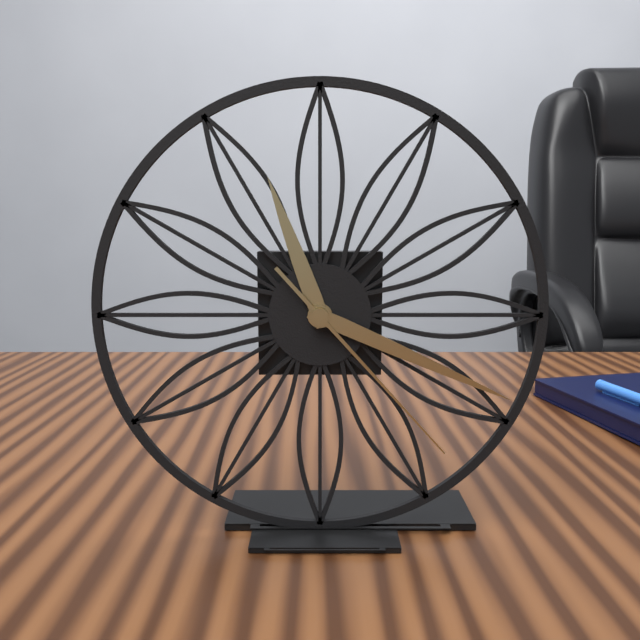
11:19:23
